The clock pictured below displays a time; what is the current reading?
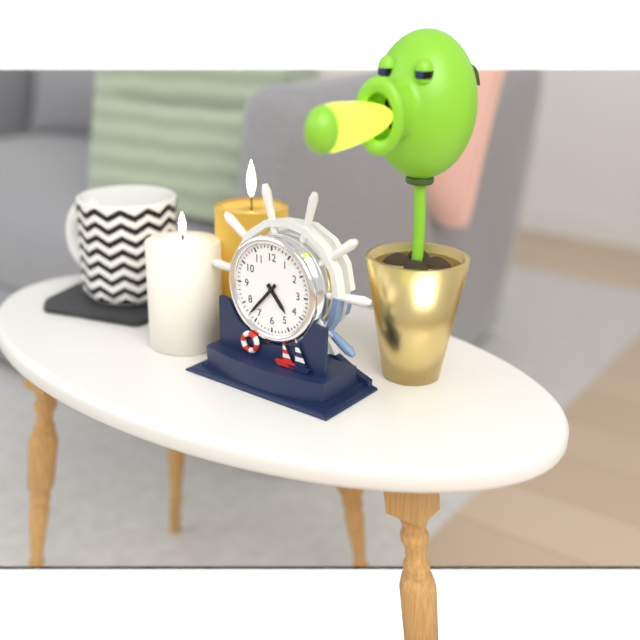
4:37
